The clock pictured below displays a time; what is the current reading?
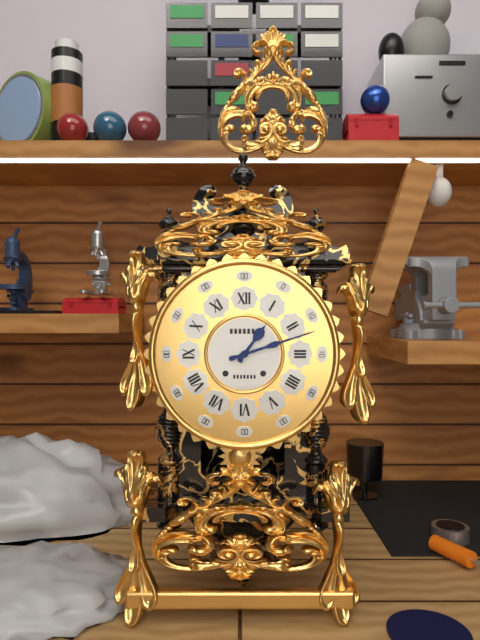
1:12
